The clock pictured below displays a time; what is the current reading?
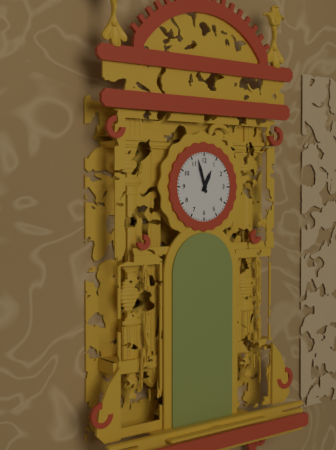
12:57
